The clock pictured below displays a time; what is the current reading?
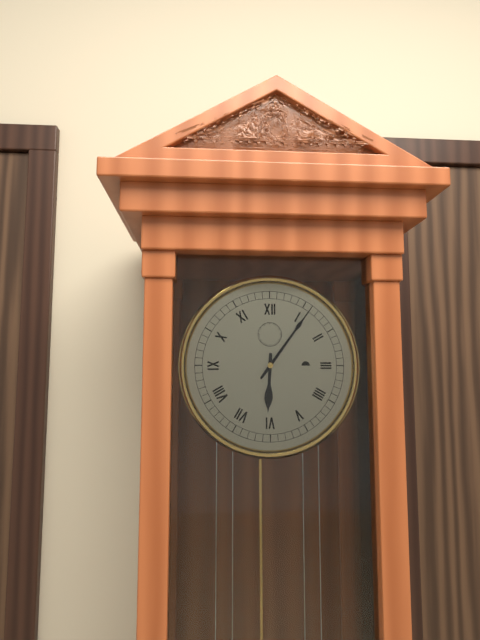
6:06
